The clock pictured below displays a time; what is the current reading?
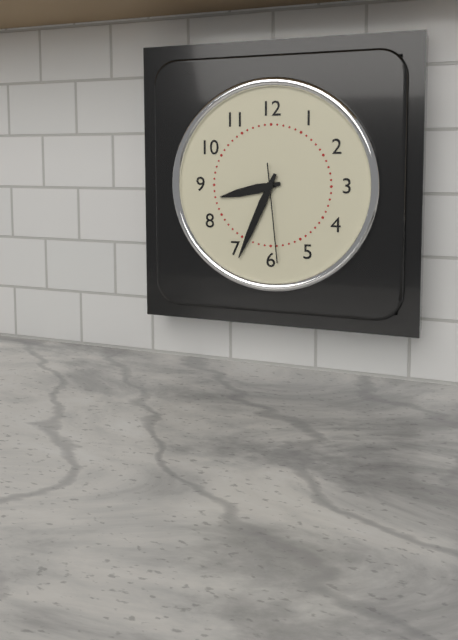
8:34:29
